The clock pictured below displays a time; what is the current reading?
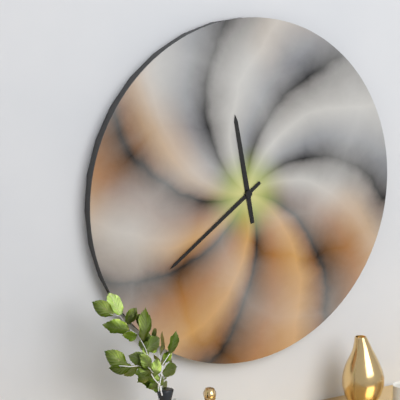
11:39
